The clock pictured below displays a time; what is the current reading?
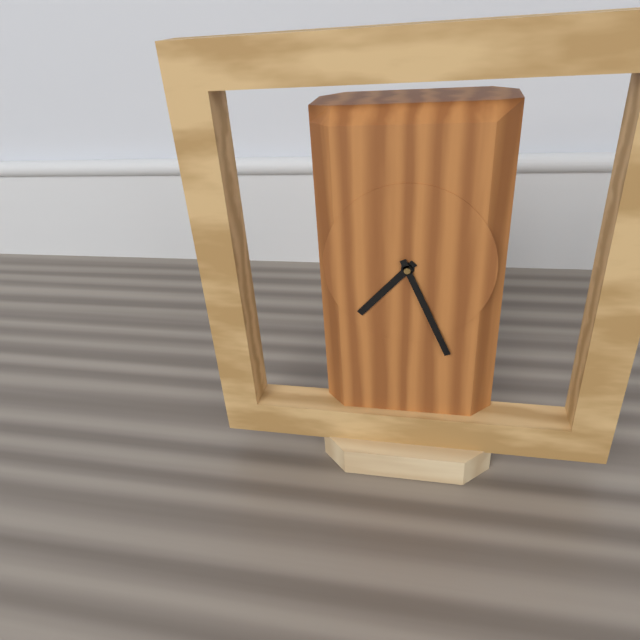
7:26
